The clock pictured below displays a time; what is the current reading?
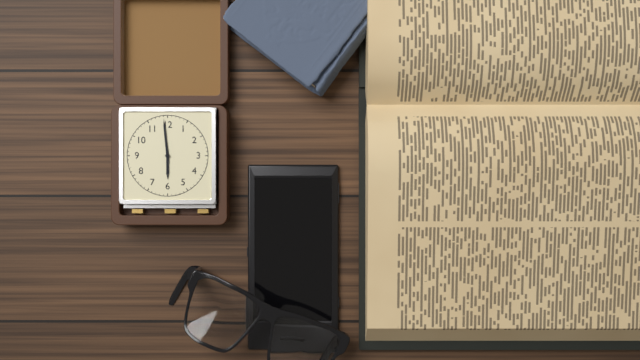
5:59
